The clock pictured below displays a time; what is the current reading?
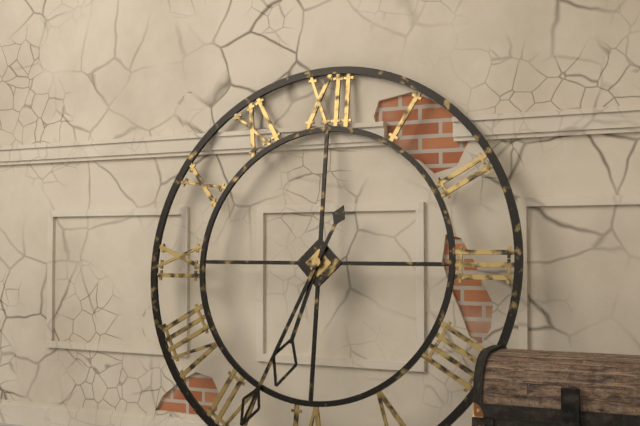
6:34
